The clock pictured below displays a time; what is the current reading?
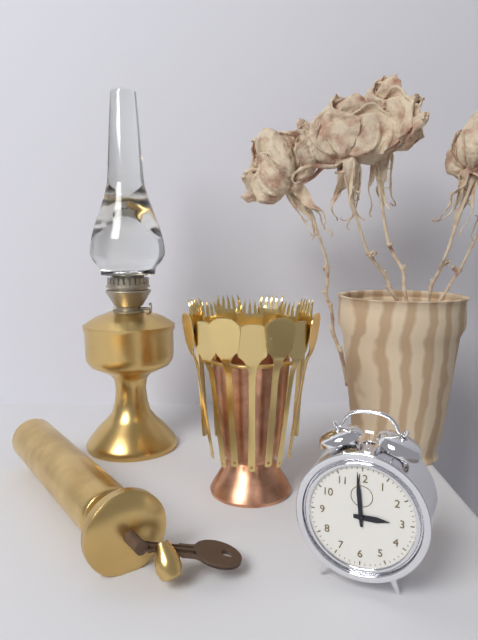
2:59
